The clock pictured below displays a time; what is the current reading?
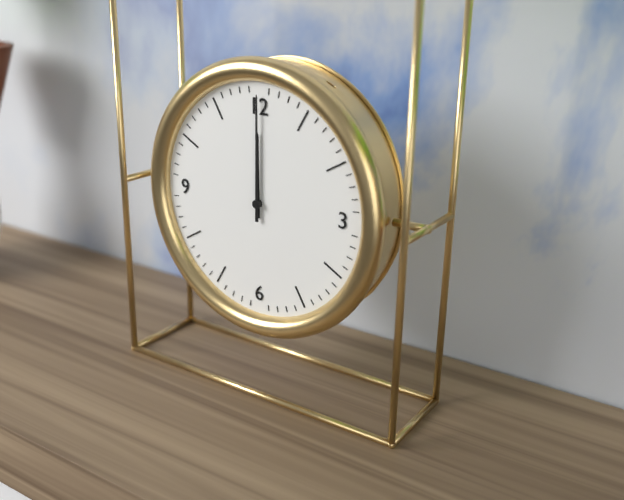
12:00
